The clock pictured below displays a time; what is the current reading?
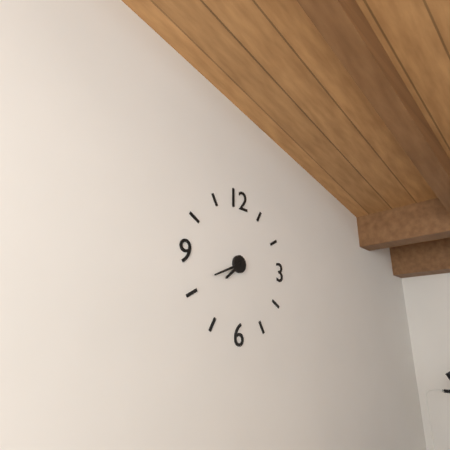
7:41
